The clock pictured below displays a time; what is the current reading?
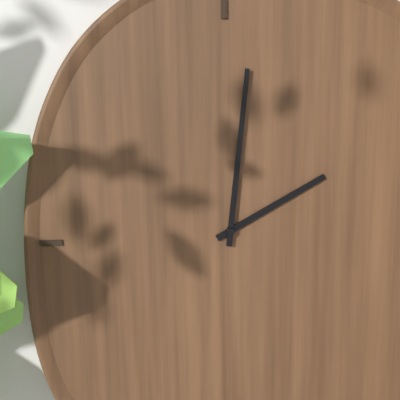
2:01
